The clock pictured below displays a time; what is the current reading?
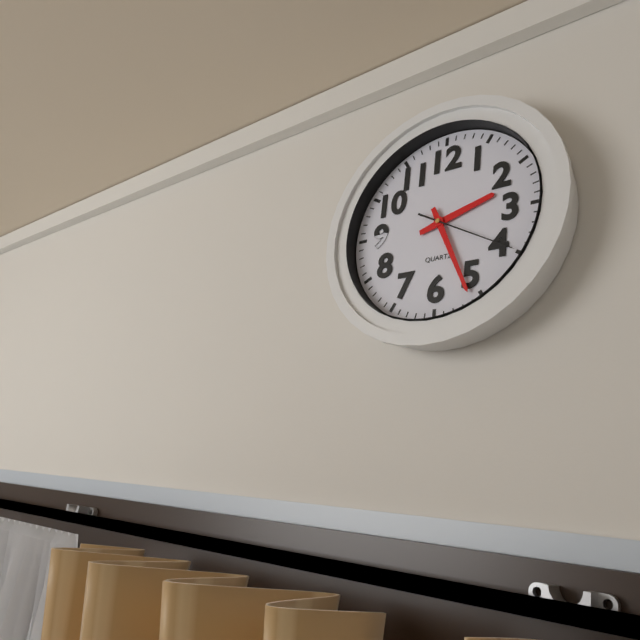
2:26:20
